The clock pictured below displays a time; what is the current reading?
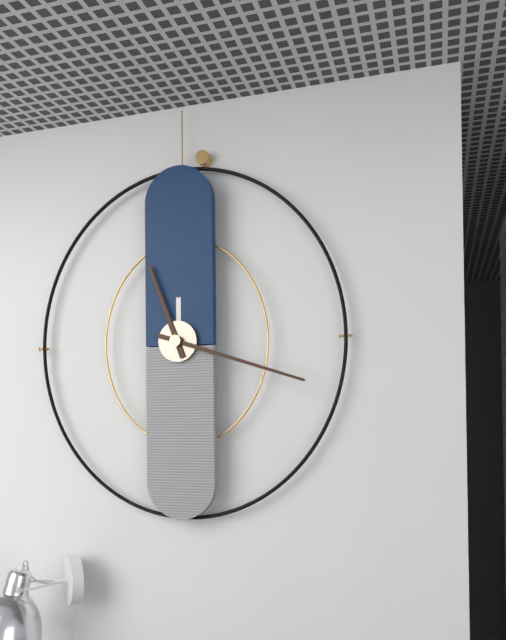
11:18
